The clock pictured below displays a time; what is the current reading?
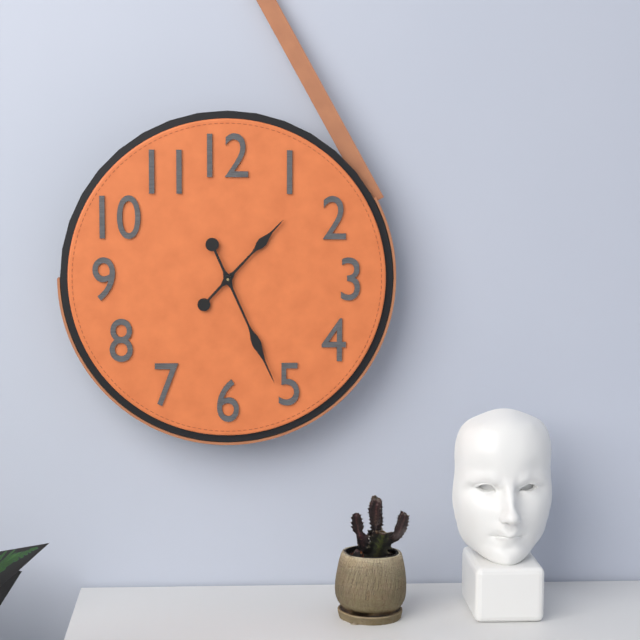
1:26
